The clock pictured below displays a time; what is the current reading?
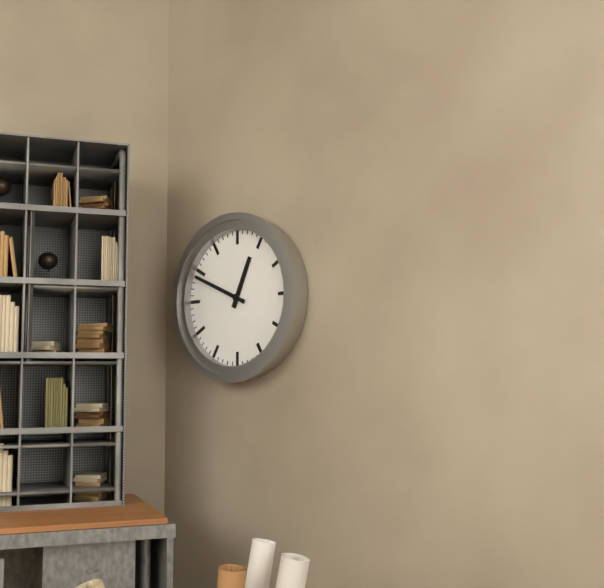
12:49
